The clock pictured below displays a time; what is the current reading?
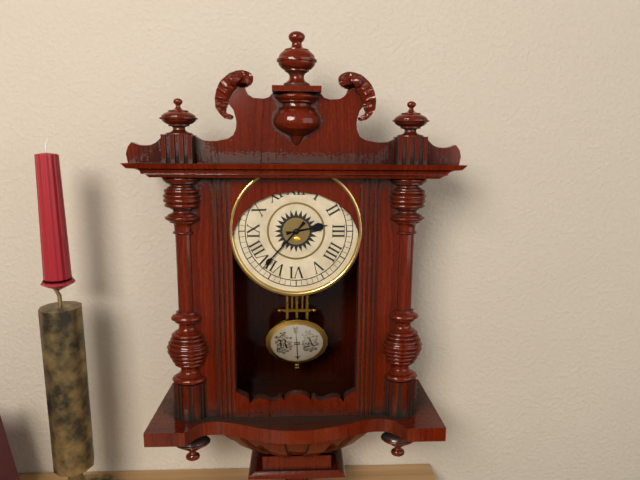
2:37
